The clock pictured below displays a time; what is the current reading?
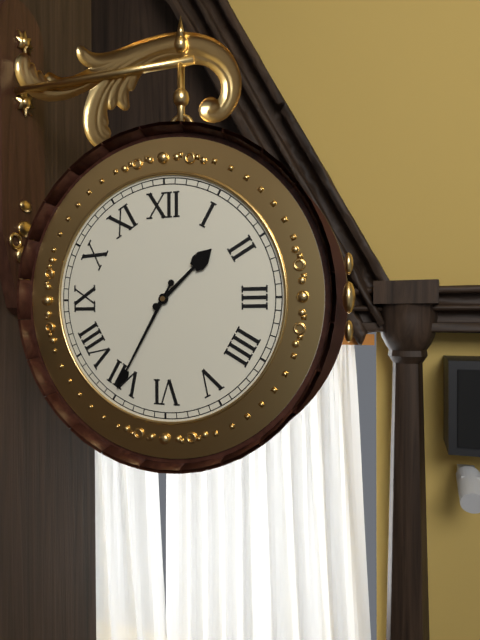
1:35
